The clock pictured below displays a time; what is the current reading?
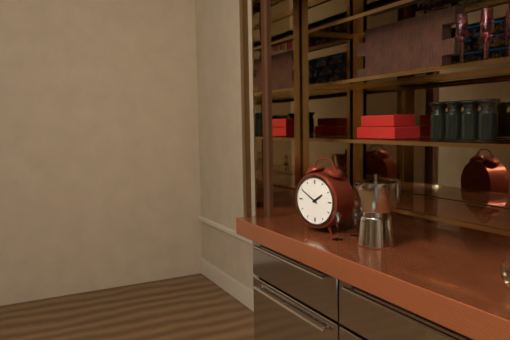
1:50
